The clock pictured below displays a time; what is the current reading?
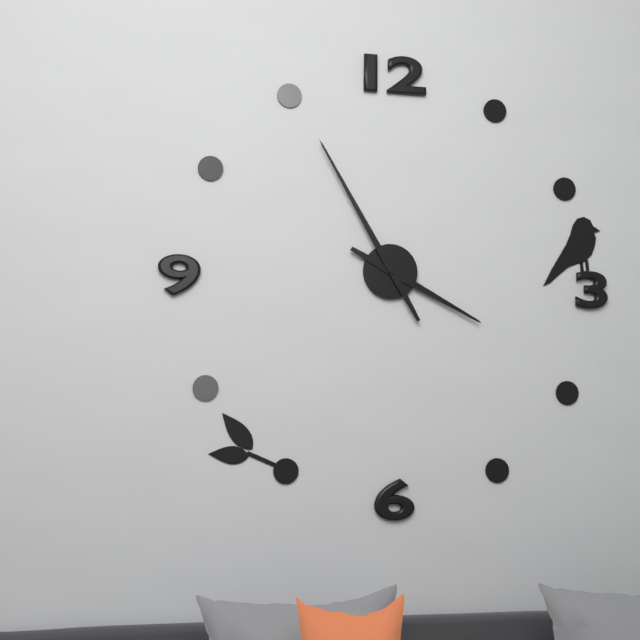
3:55
